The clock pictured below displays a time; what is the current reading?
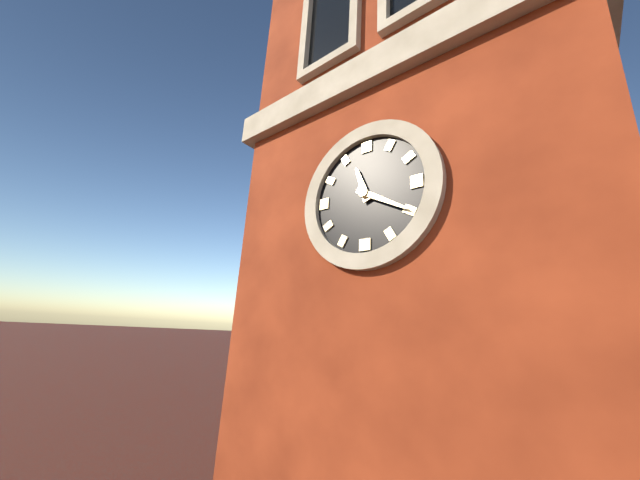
11:20
